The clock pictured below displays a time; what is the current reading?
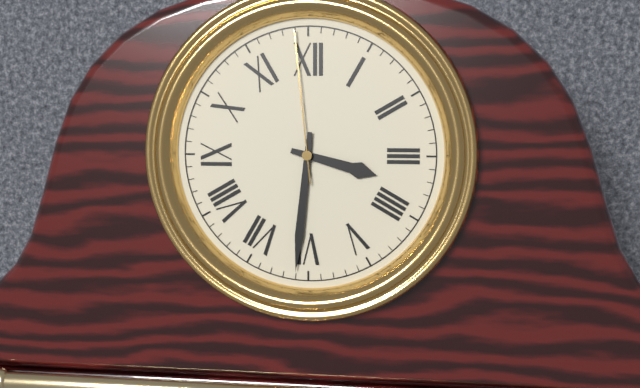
3:31:59
